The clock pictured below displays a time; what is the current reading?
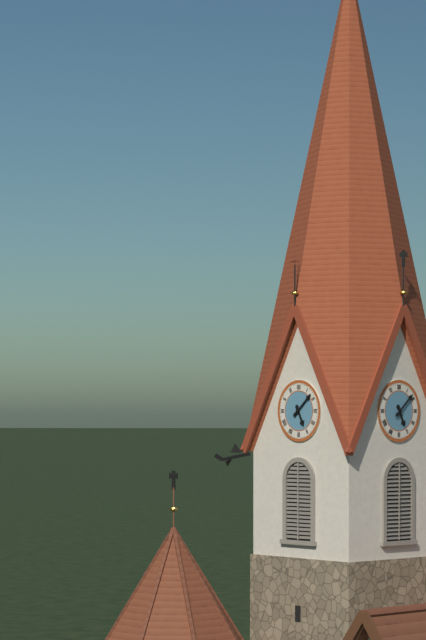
5:08
